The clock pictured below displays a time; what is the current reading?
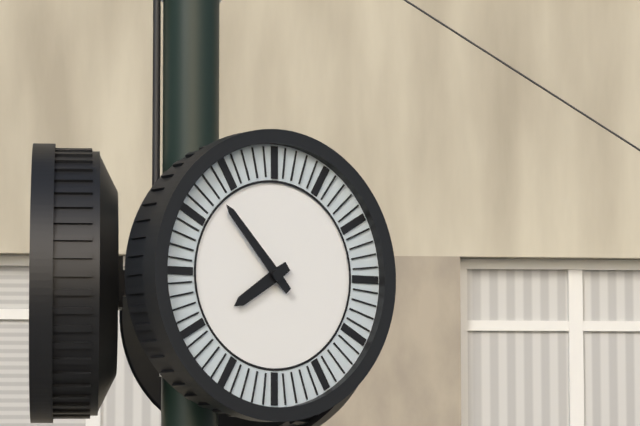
7:53
